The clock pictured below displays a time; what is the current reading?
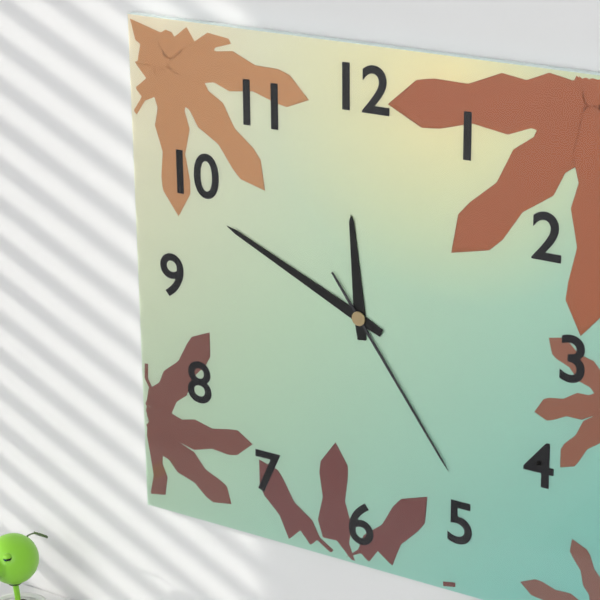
11:49:24
